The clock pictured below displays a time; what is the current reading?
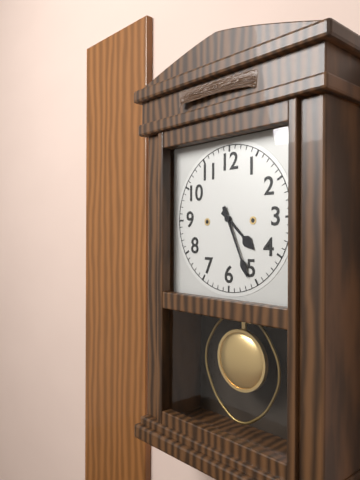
4:26
